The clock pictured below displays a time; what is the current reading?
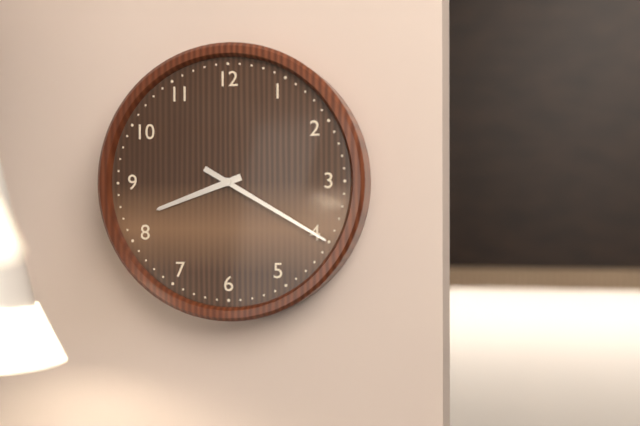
8:20
